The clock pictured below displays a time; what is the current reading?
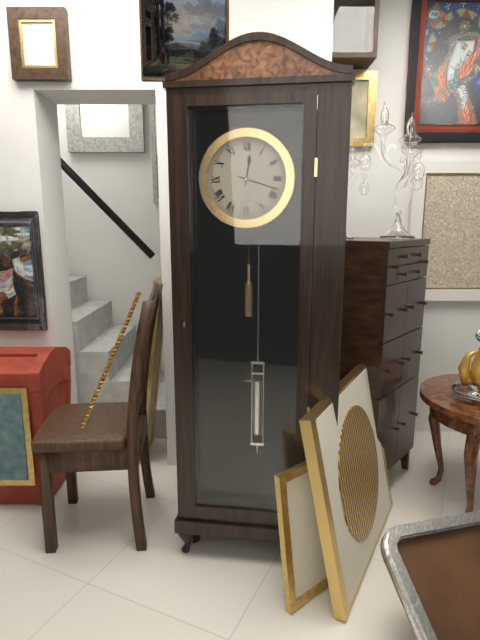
12:18
